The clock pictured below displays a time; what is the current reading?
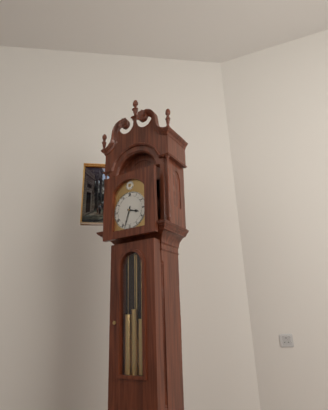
3:33
